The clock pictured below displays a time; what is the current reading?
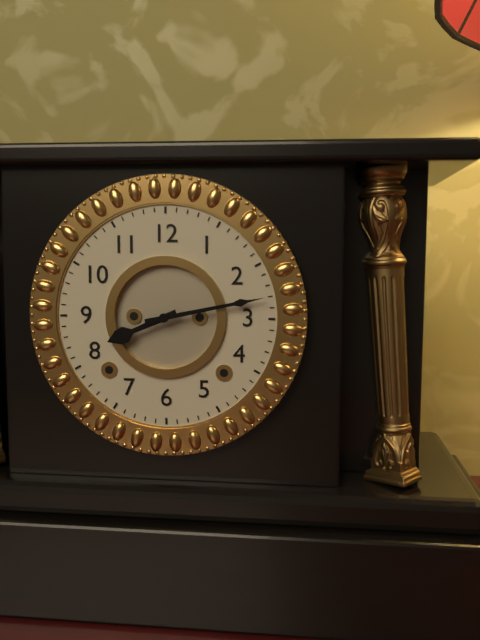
8:13
